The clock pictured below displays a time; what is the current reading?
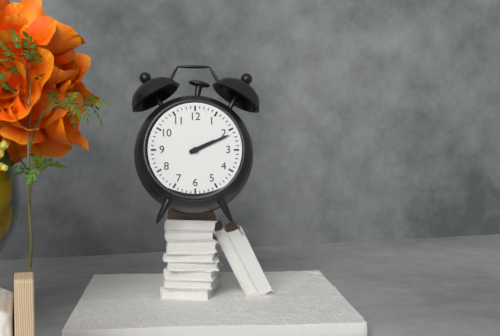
2:11
